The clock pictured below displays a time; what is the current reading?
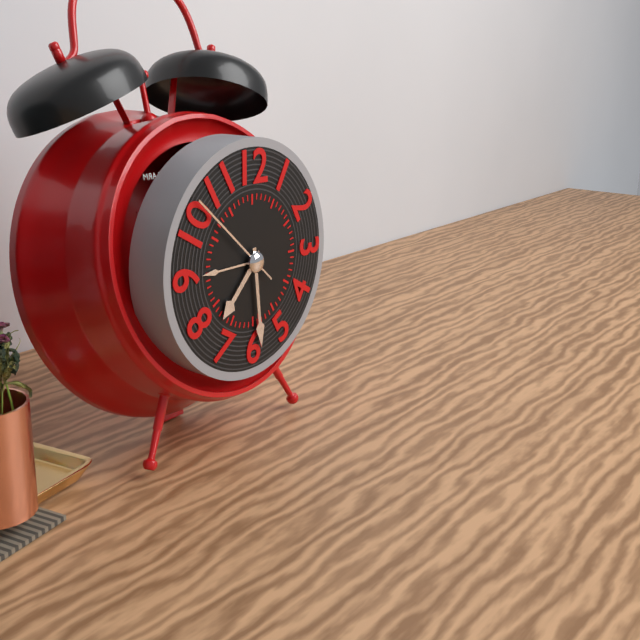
7:29:52
